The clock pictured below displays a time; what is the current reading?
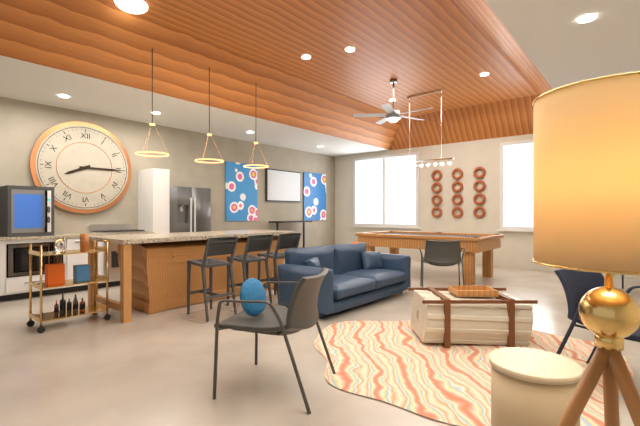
8:15
